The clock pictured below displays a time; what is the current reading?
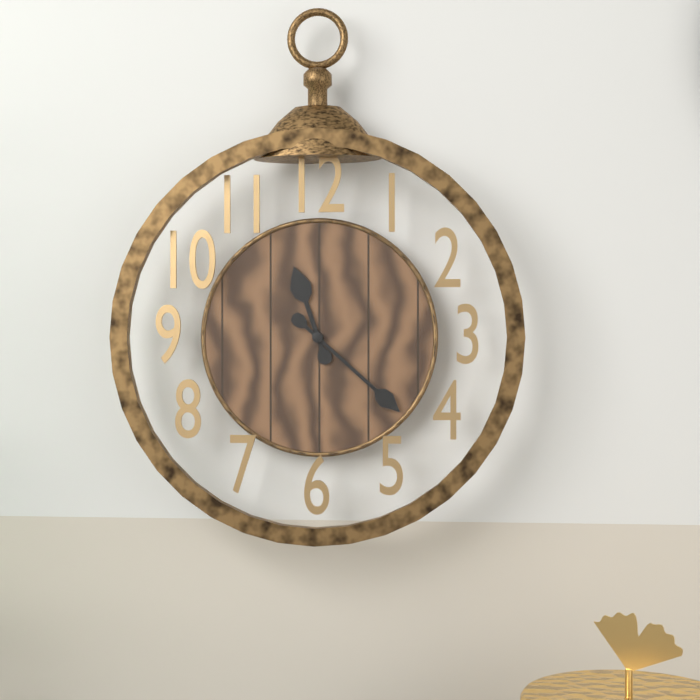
11:22
